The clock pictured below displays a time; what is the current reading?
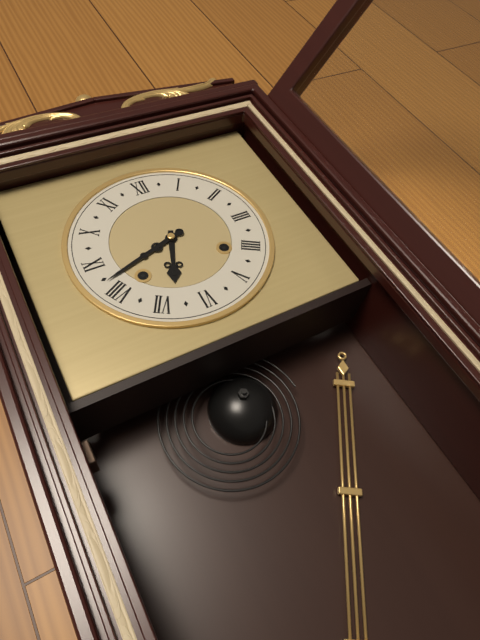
6:42
